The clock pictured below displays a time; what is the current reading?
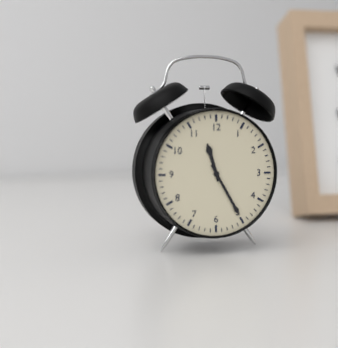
11:25
